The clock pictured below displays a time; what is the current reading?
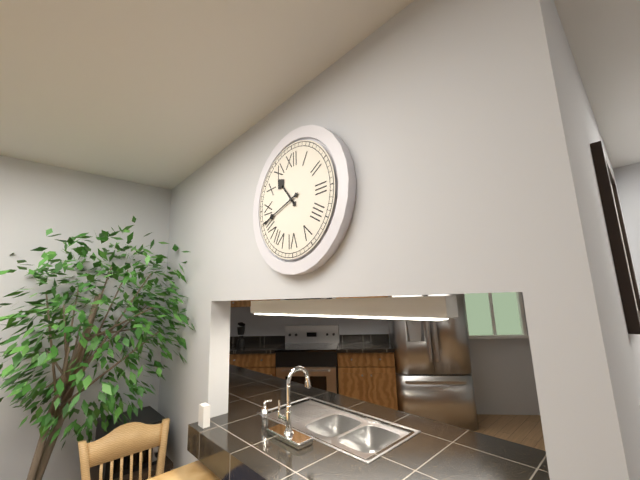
10:42
